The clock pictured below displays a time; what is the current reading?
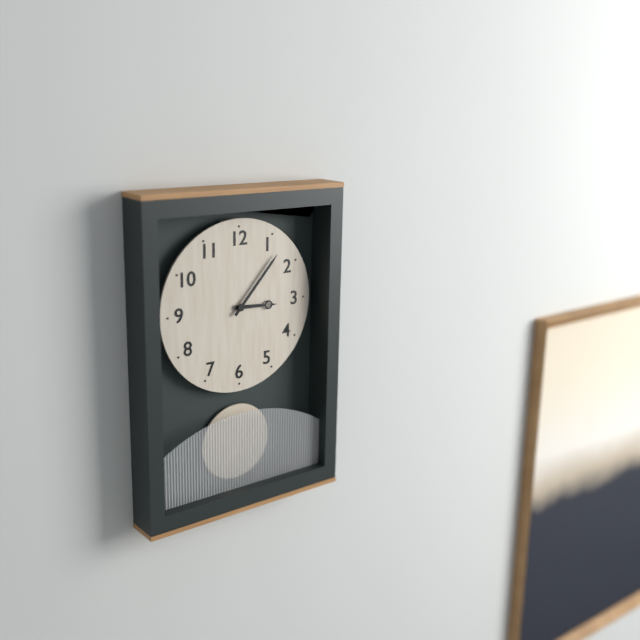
3:07
